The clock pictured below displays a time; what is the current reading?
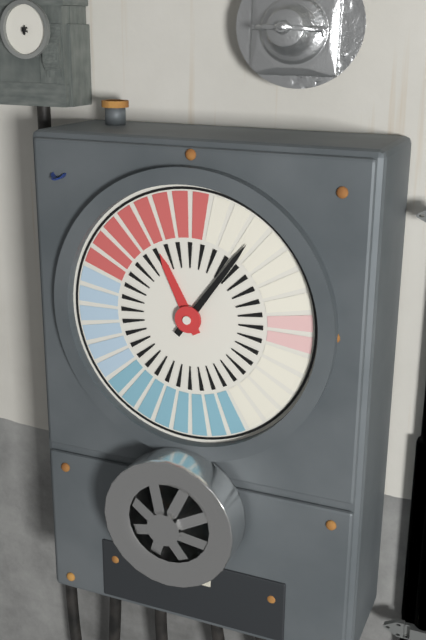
11:06
